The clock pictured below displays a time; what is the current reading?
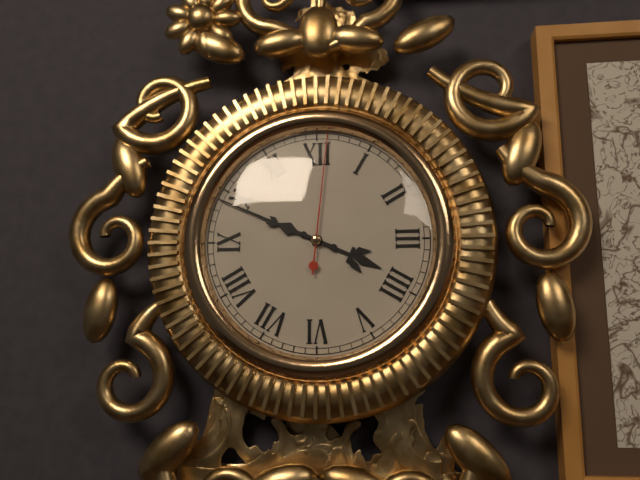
3:49:01
